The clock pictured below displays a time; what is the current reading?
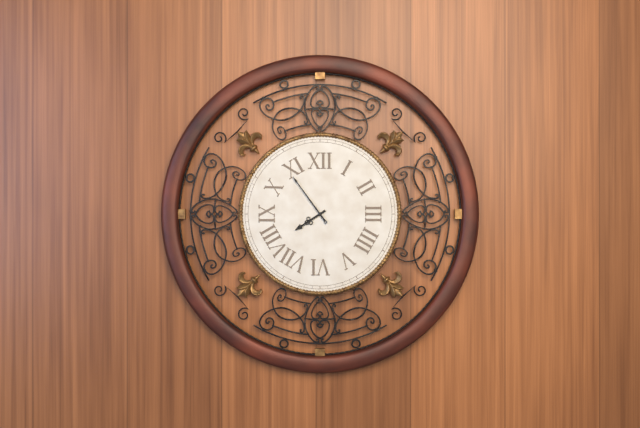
7:54
